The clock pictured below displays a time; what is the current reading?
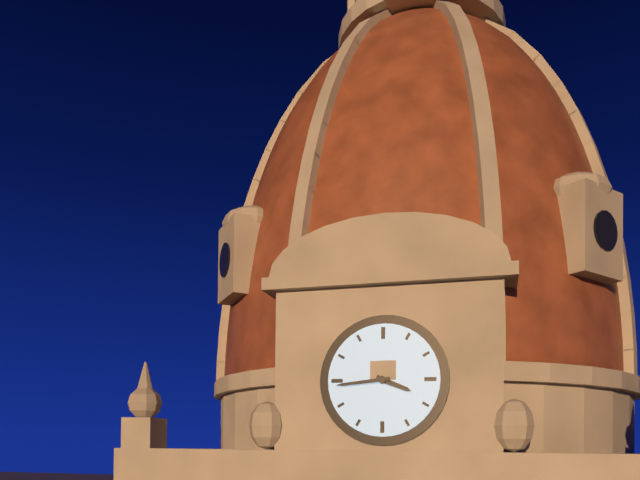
3:44
